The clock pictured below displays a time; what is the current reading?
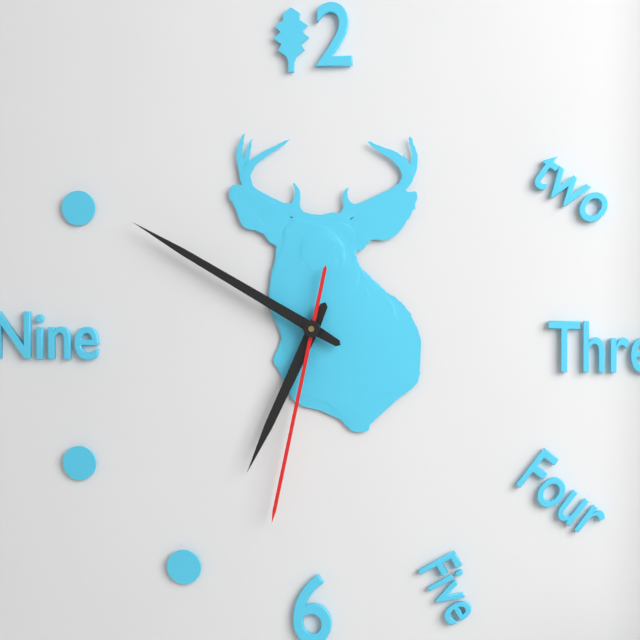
6:50:32
